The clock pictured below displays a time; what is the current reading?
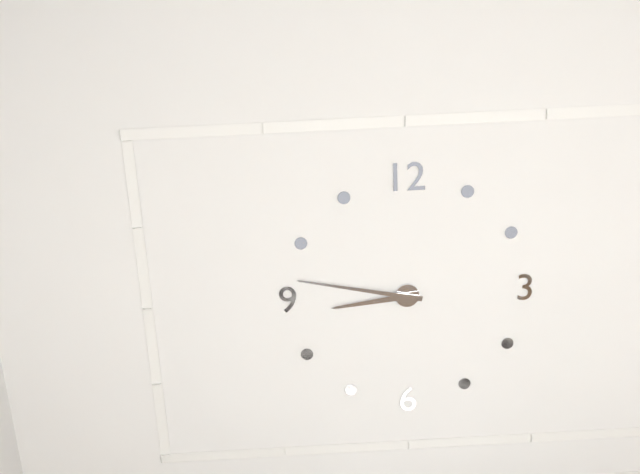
8:47
